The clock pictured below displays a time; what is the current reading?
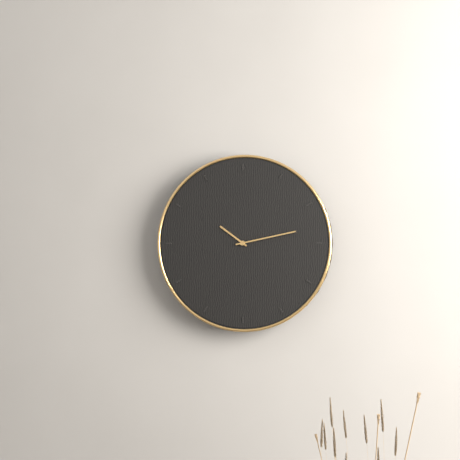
10:13
